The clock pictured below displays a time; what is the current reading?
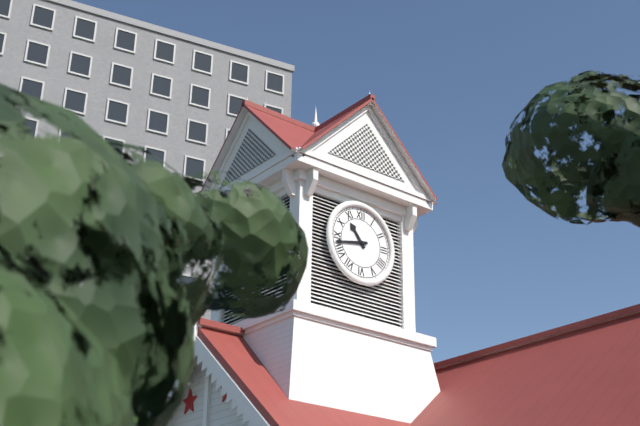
10:43
